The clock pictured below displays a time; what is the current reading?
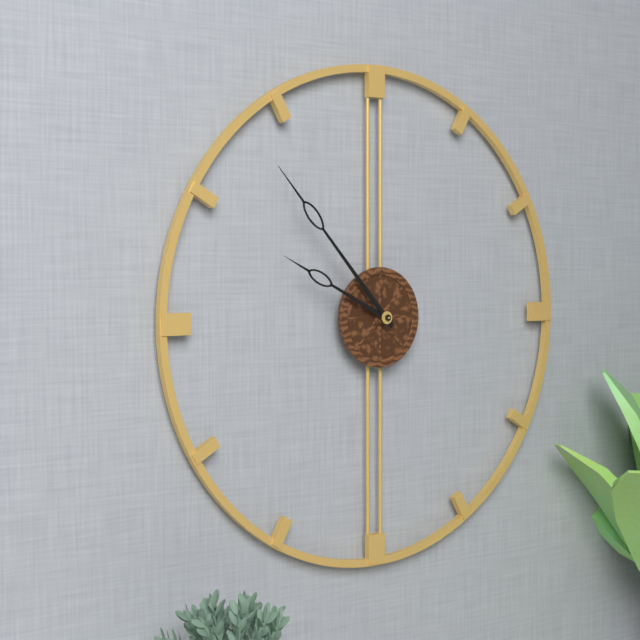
9:53
